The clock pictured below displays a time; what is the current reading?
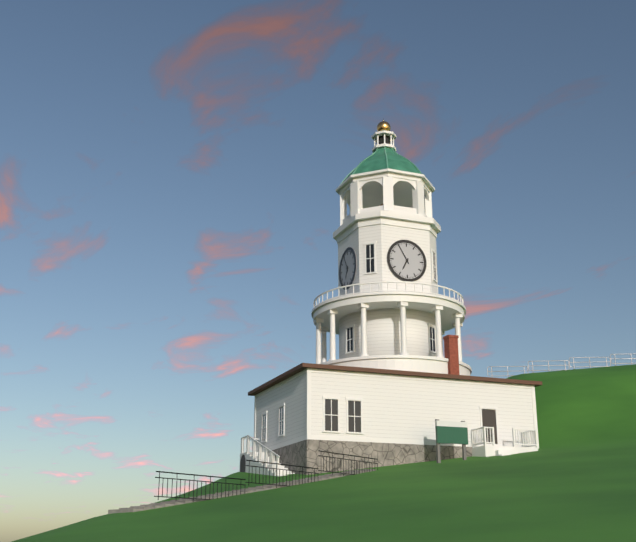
6:55
